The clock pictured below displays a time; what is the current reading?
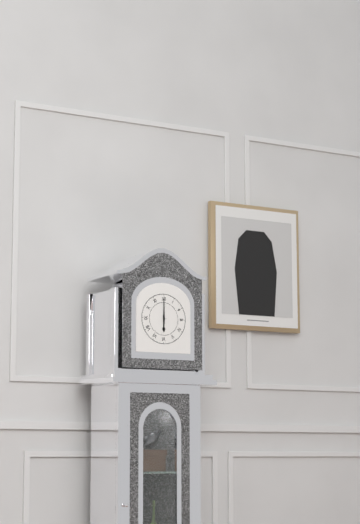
6:00
